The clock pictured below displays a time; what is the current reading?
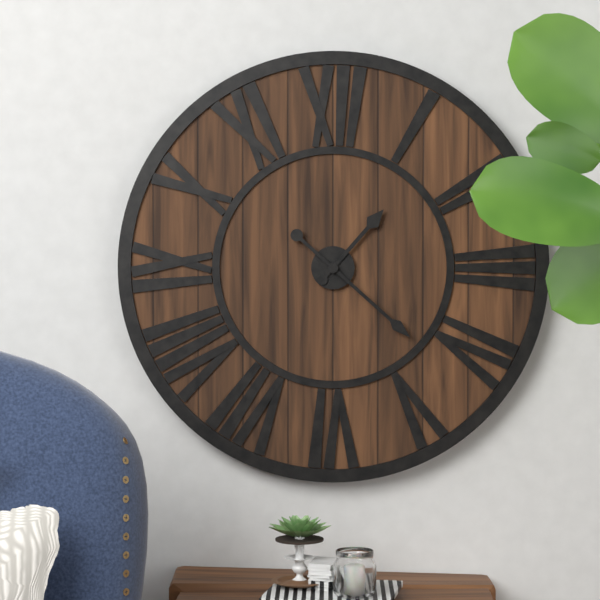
1:22
